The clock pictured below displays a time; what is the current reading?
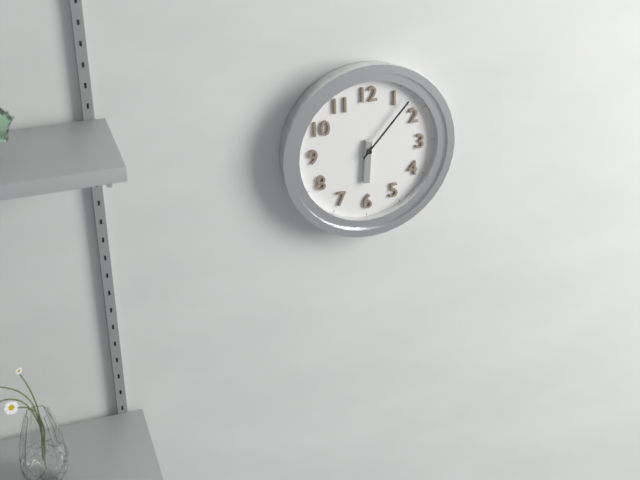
6:07
